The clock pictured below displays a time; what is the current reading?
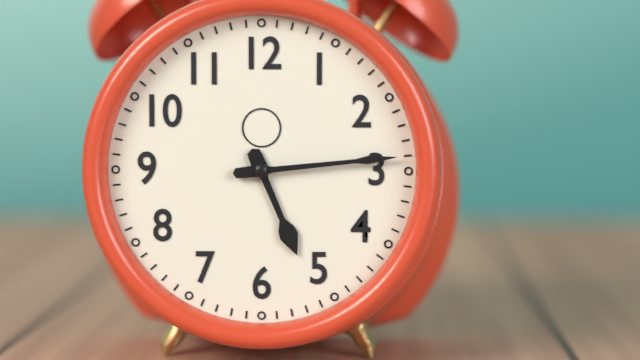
5:14
